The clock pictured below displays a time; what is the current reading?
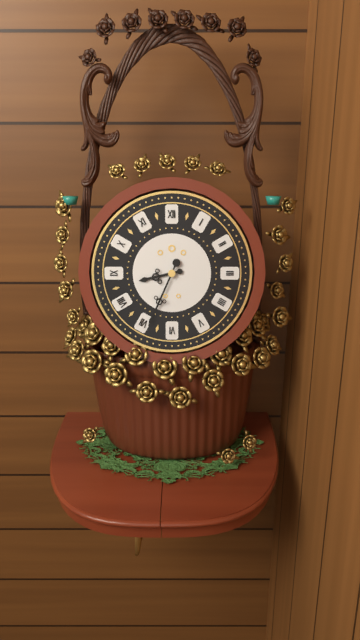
8:34
